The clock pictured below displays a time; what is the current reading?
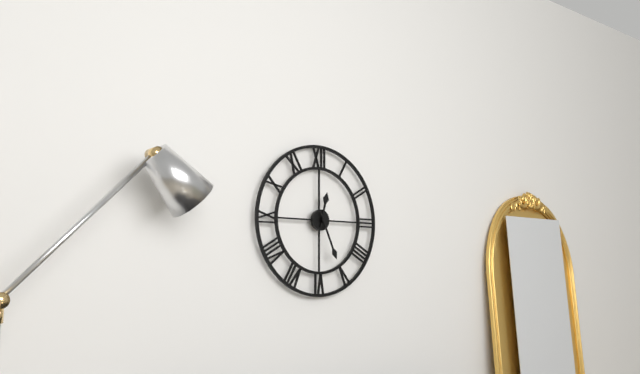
12:26
